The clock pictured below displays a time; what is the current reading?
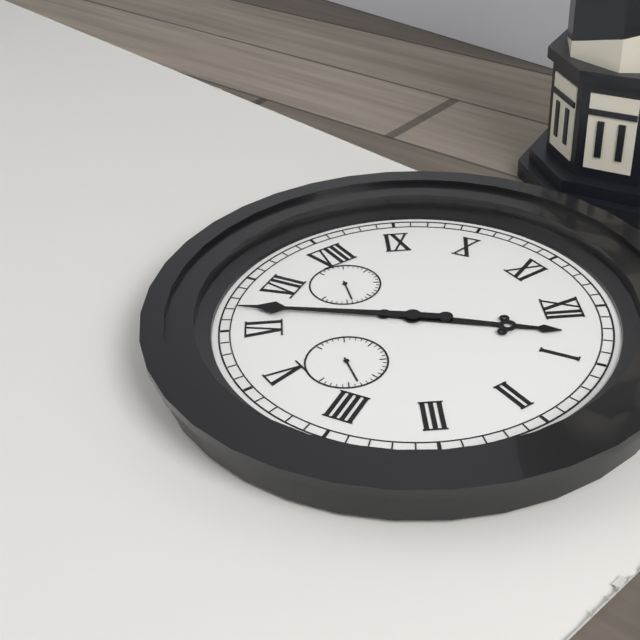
12:32
